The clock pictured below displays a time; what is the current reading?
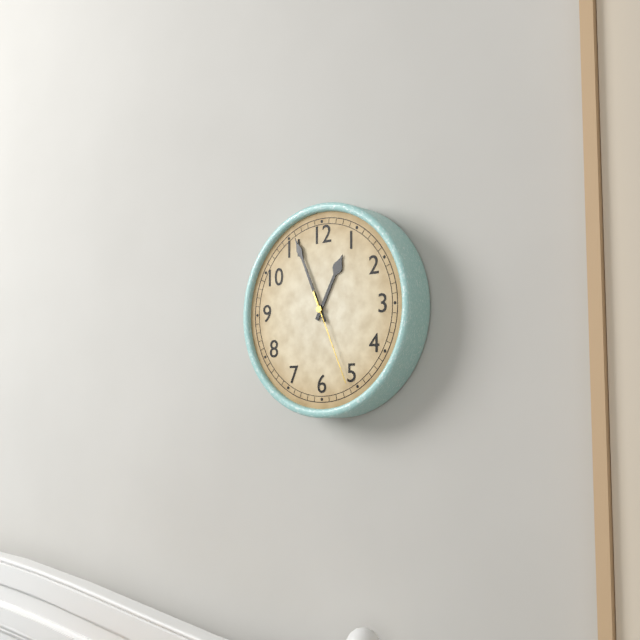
12:56:26
